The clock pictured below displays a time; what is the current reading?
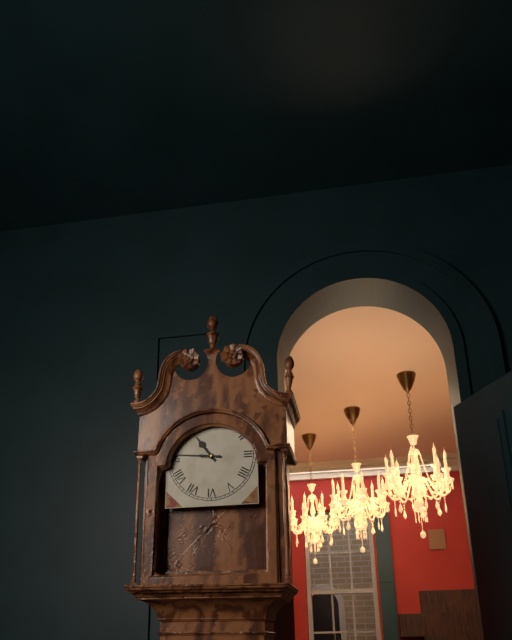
10:46
